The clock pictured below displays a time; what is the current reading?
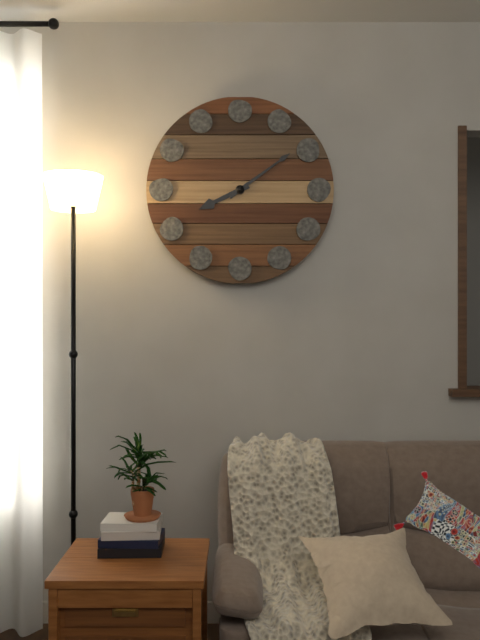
8:09
